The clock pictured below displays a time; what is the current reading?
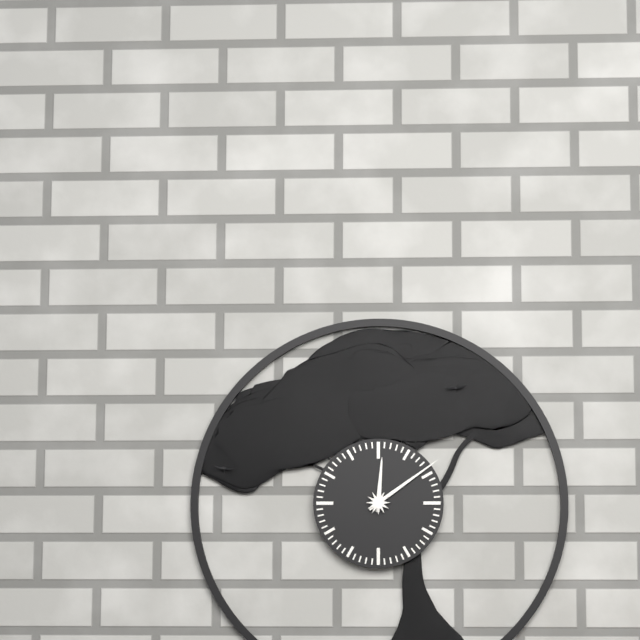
12:09
